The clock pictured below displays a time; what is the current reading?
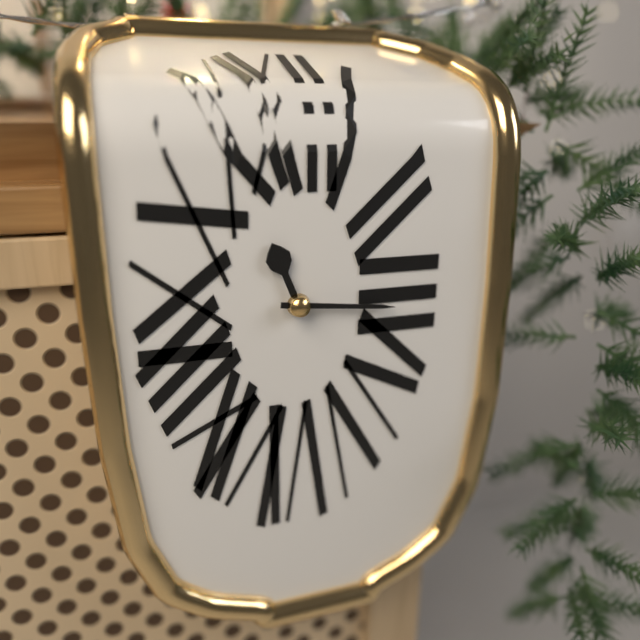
11:16
